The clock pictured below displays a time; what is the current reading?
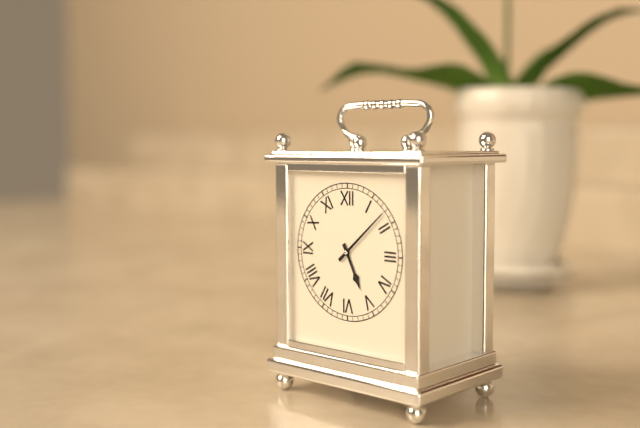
5:08
